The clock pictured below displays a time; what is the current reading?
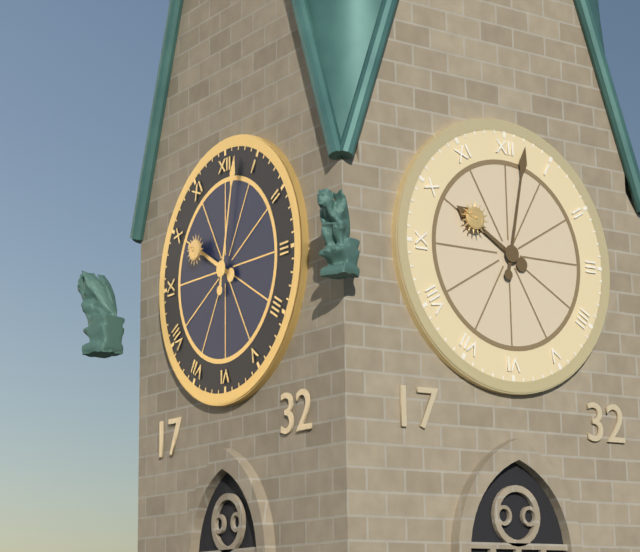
10:02
